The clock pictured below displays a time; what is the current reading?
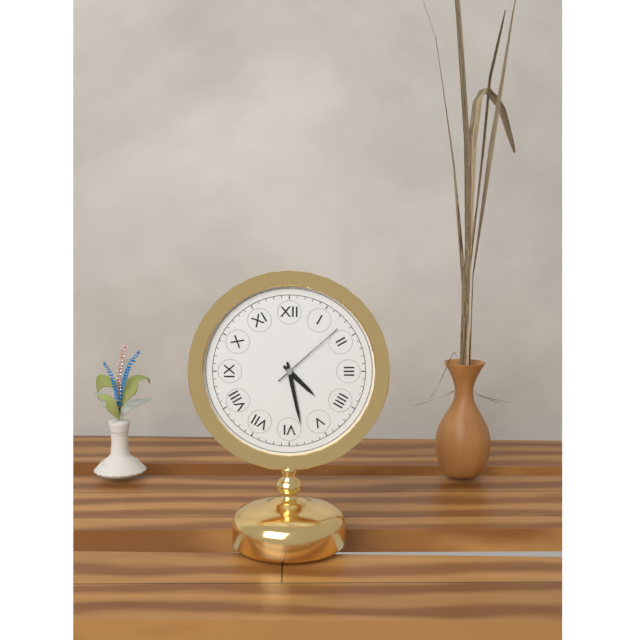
4:28:08
